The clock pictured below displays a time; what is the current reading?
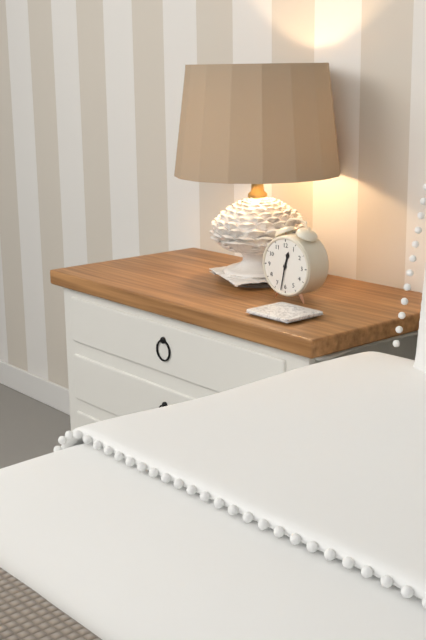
12:32
